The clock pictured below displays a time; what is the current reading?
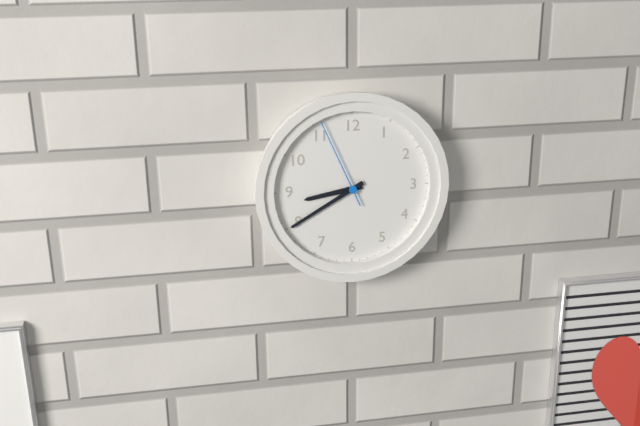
8:40:56
